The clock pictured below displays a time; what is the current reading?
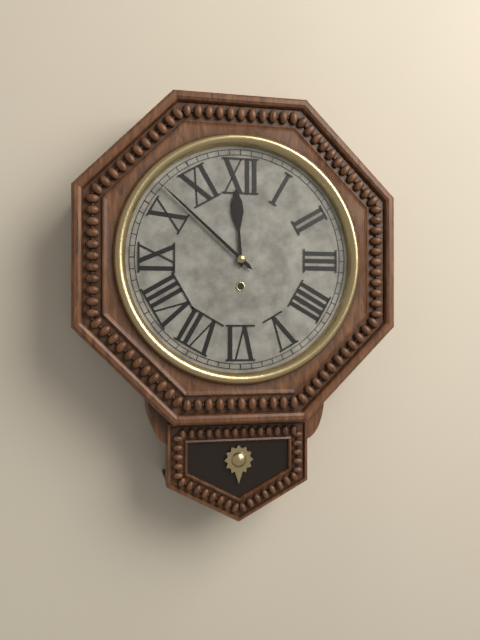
11:52
